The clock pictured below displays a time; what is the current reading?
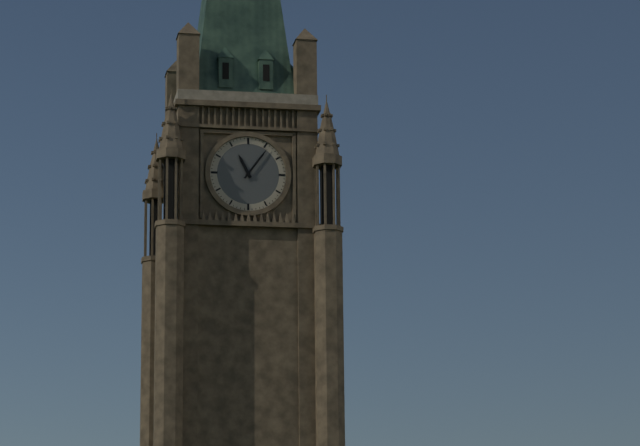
11:06
